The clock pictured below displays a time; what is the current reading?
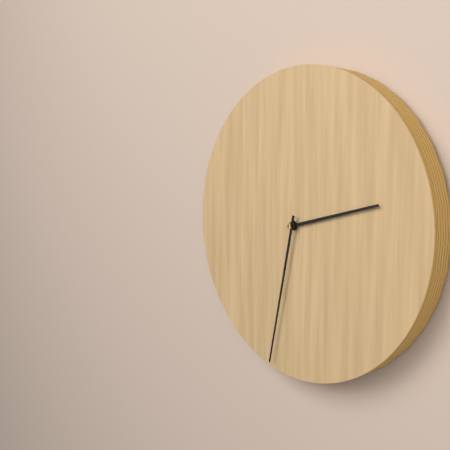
2:32
